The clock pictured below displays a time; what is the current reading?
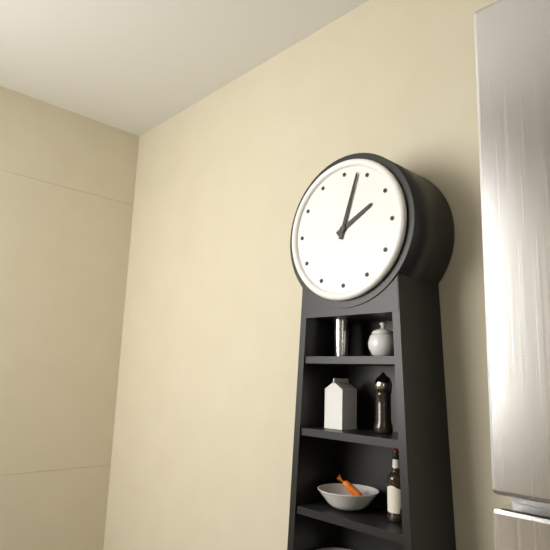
2:03
